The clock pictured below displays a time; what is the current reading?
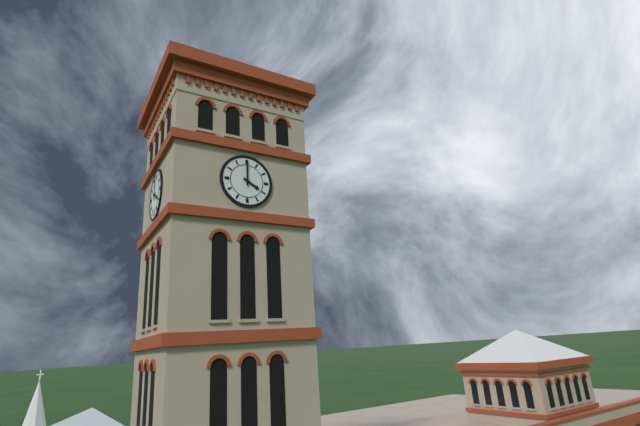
4:00
